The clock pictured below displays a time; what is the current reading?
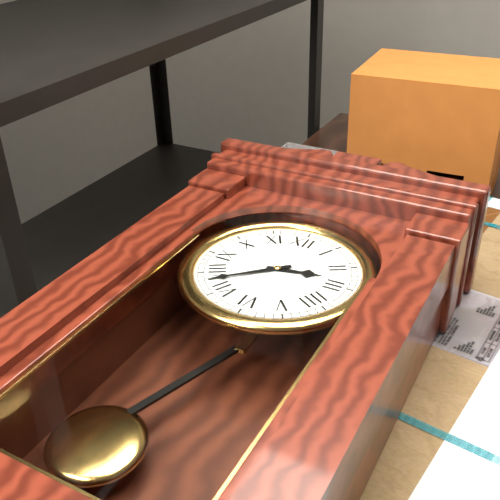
2:38
